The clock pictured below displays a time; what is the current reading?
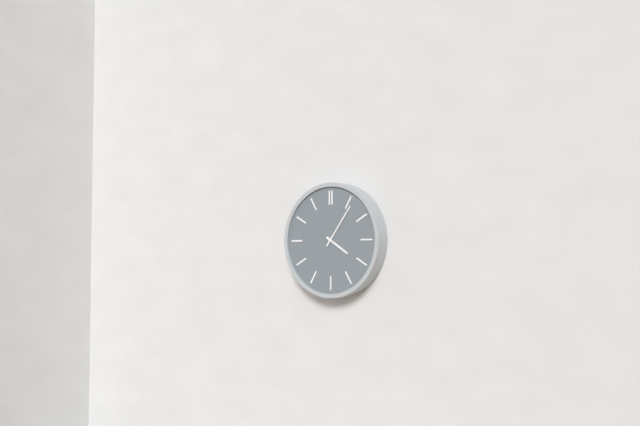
4:06
